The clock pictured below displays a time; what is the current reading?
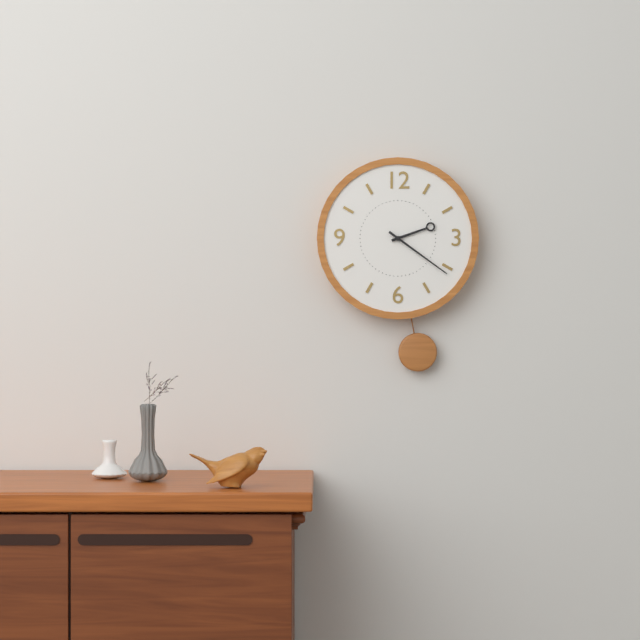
2:21
